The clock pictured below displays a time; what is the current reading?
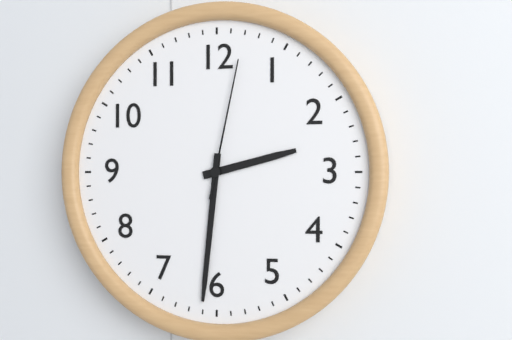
2:31:02
